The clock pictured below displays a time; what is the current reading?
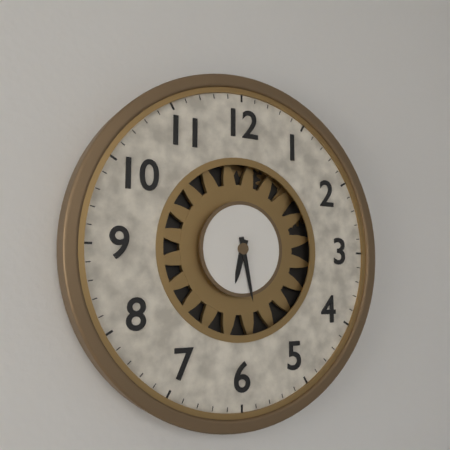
6:28
